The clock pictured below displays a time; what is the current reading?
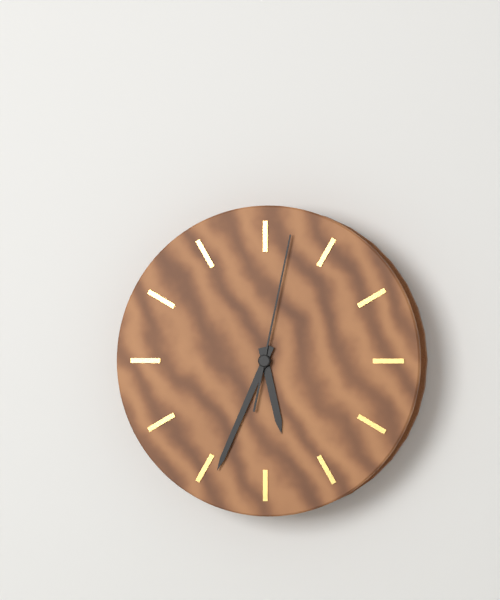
5:34:02
